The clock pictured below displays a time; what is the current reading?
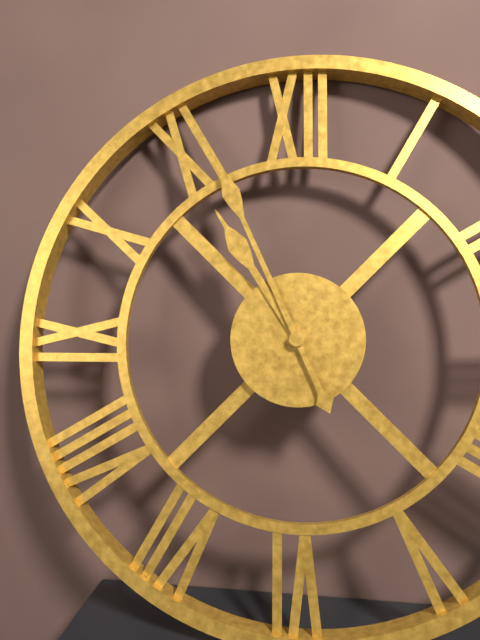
10:56
